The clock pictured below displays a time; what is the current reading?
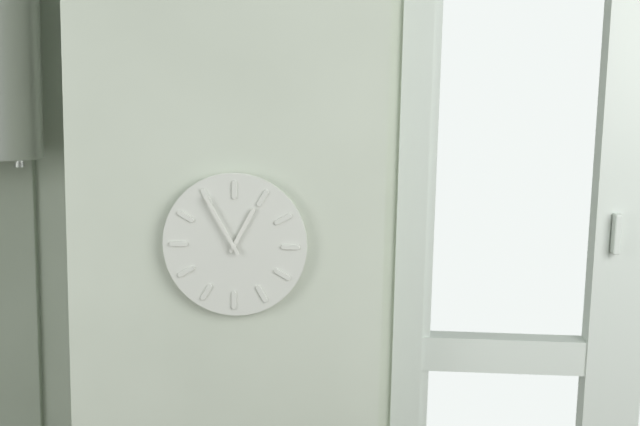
12:55
